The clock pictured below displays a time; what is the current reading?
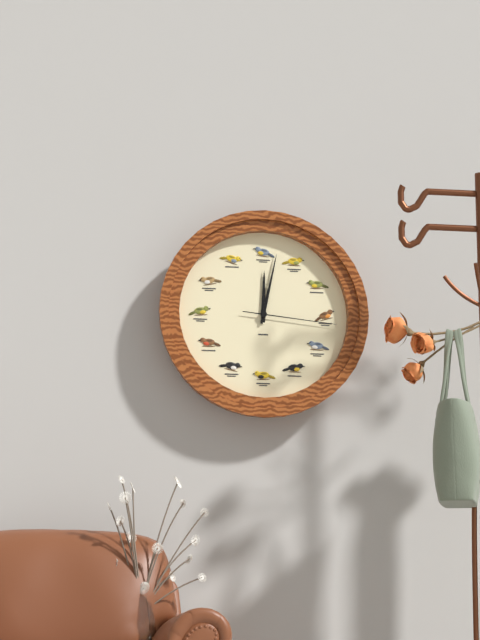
12:02:16
